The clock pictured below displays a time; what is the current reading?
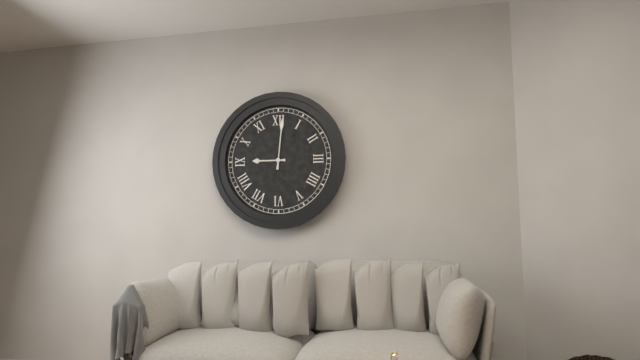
9:01
